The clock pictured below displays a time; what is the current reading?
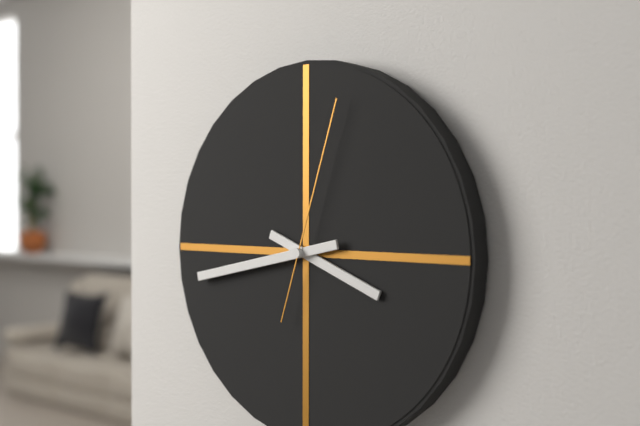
3:43:03
